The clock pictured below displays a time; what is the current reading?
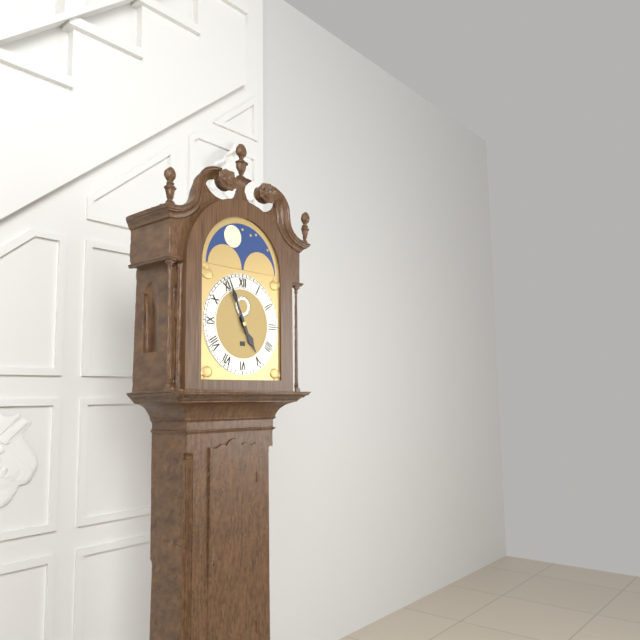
4:56
